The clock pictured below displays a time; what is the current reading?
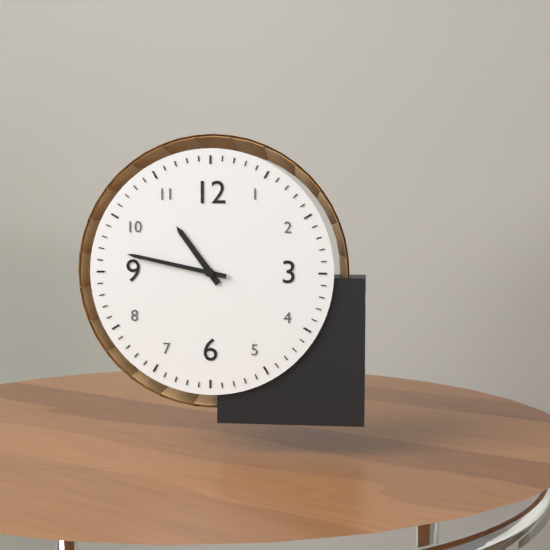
10:47
